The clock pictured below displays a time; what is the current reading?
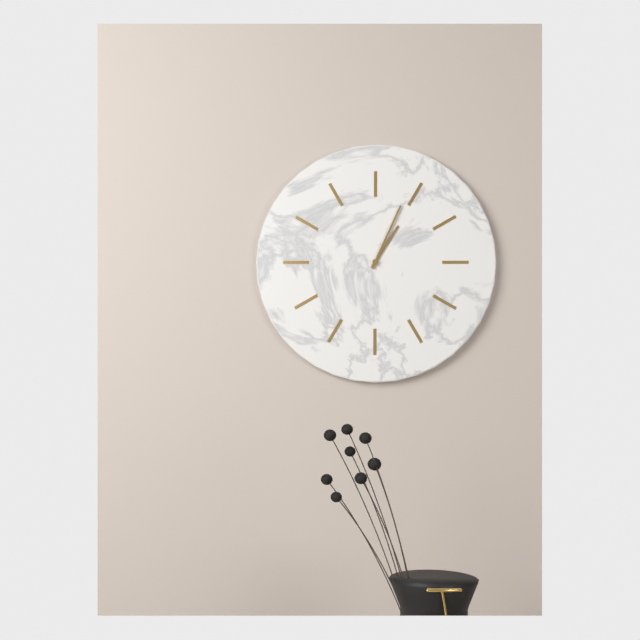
1:04
